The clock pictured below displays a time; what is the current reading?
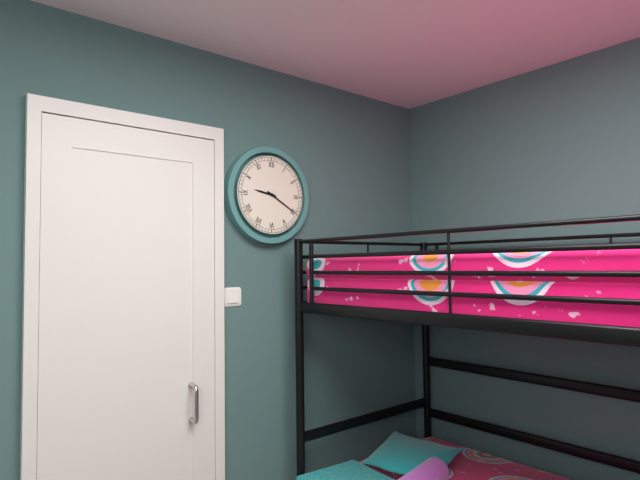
9:20
